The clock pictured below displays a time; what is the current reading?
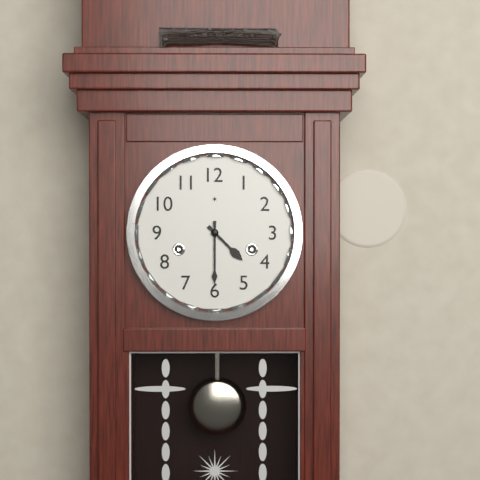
4:30
